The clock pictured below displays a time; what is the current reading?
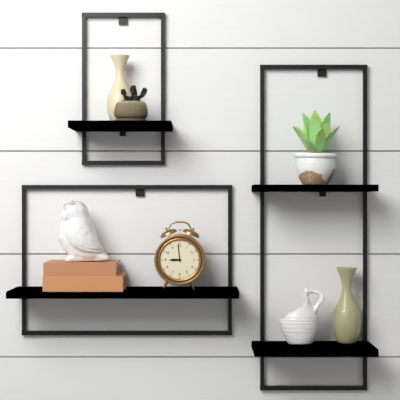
8:59
